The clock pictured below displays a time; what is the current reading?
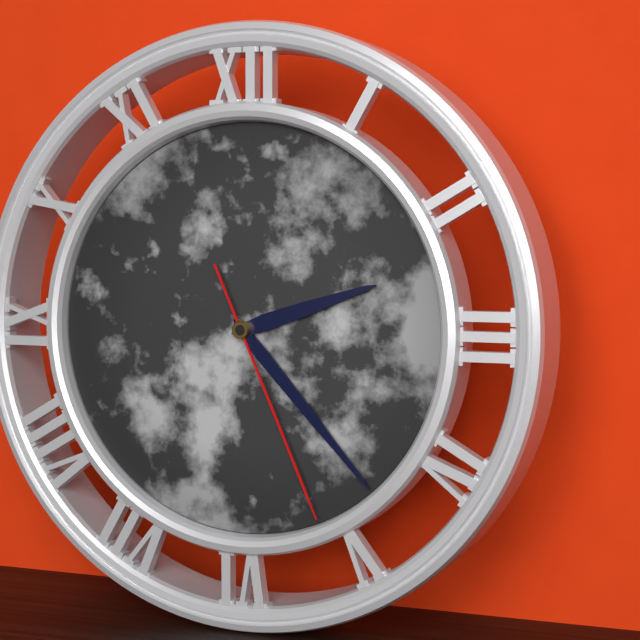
2:23:26
